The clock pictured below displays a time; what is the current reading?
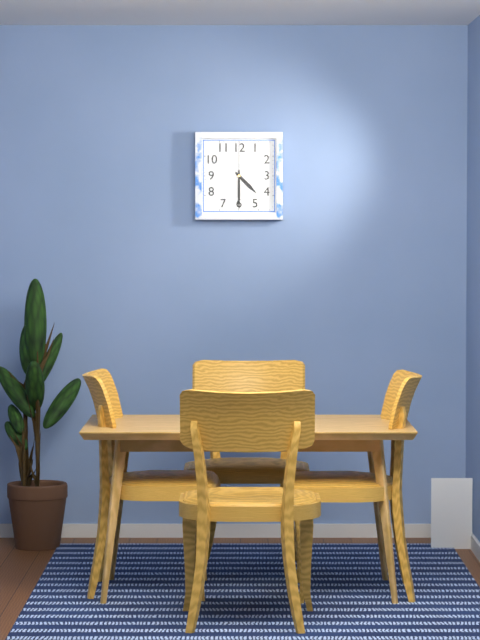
4:30
